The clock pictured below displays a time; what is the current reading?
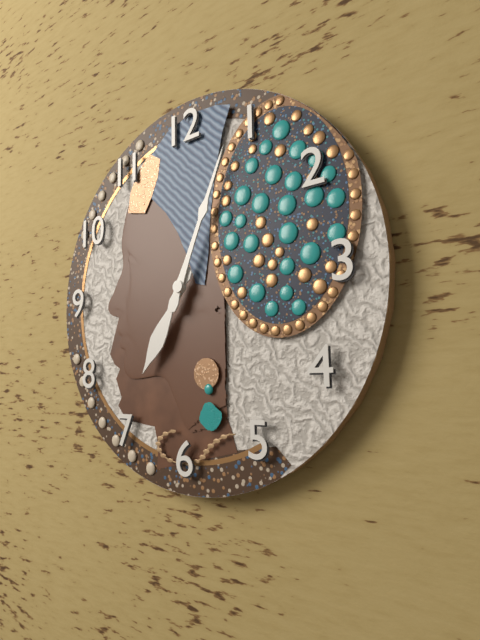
7:04
